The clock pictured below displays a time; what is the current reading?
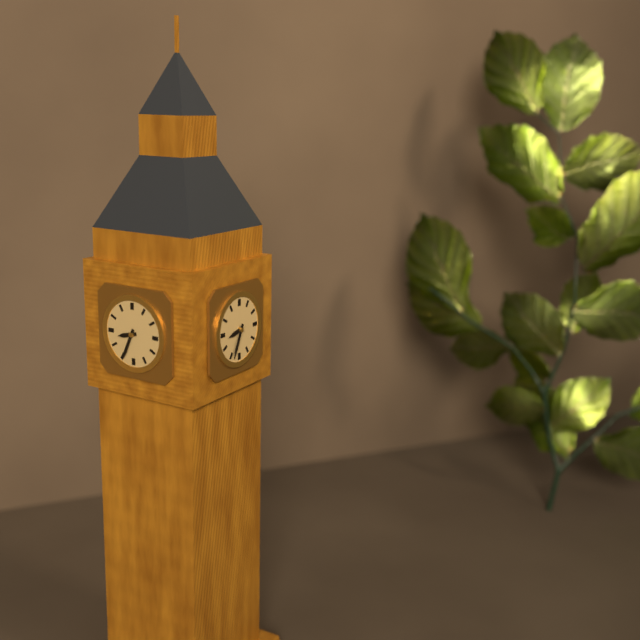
8:34
